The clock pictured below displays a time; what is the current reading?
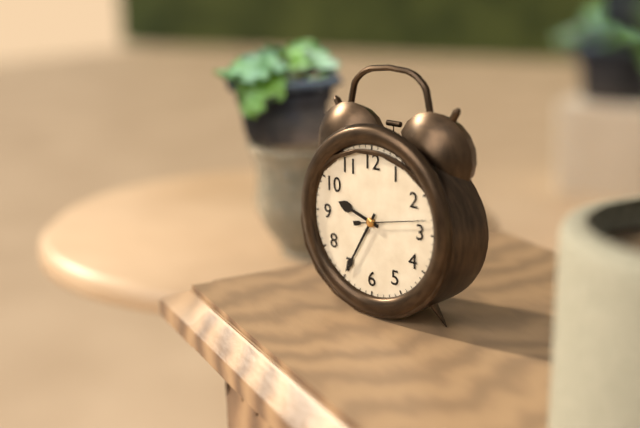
9:35:13
